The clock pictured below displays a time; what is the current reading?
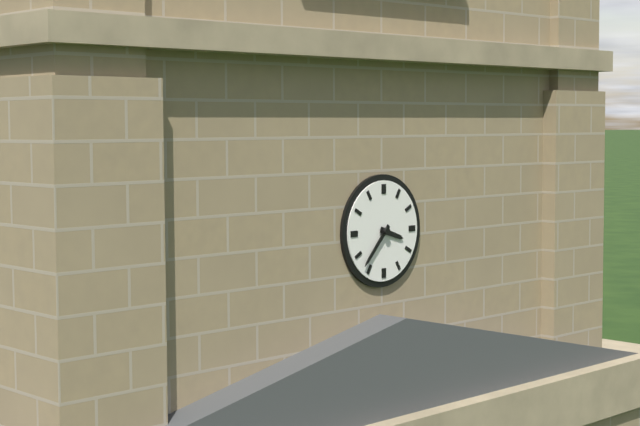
3:37
